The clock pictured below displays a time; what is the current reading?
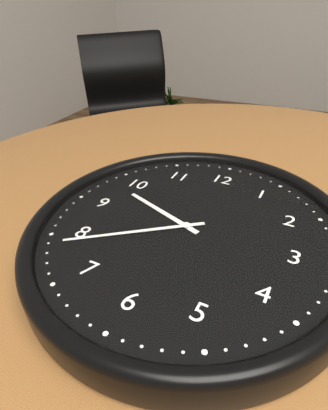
9:39
